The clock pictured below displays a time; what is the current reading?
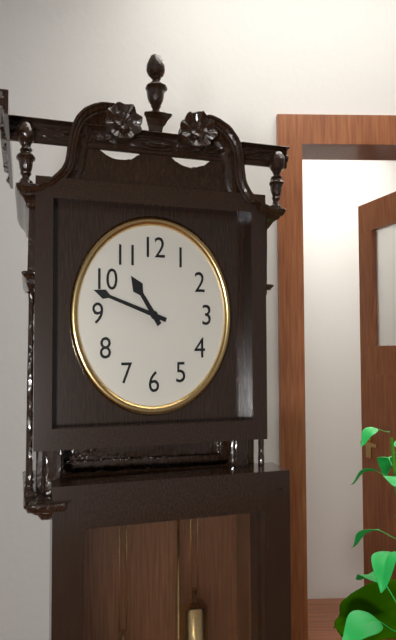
10:48
